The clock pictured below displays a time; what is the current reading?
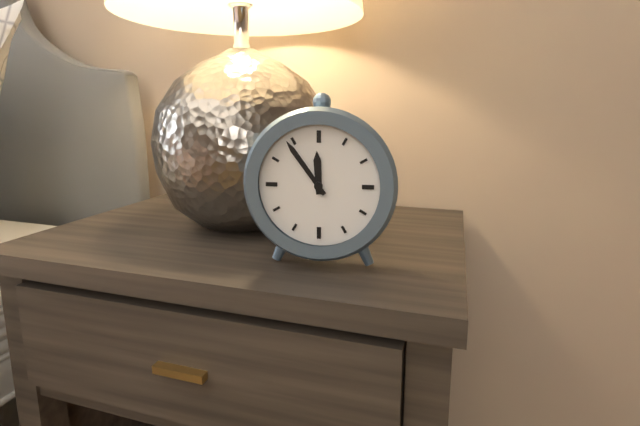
11:54
